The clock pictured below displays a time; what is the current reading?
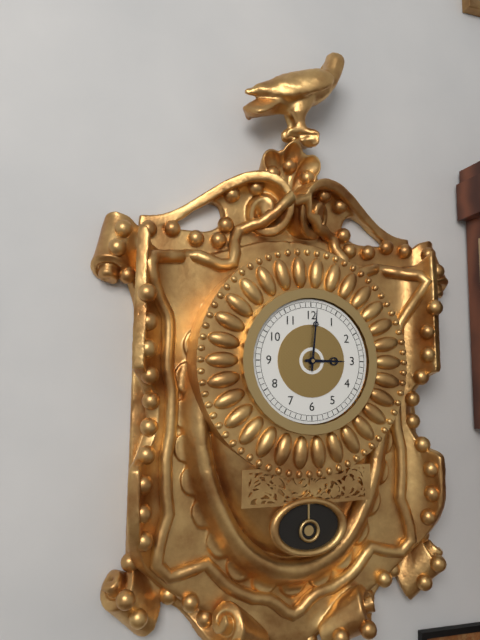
3:01
